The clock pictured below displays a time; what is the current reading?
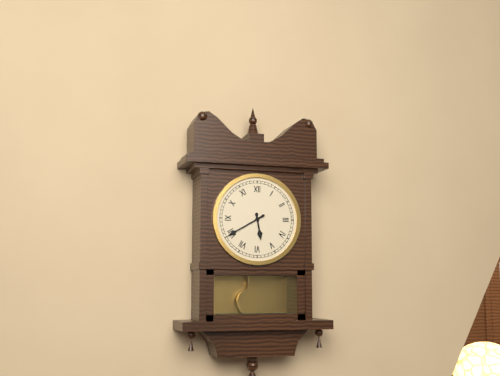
5:40
